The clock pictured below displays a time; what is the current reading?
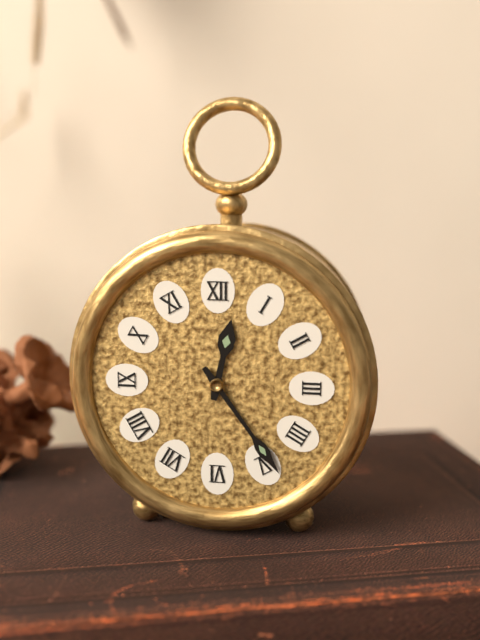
12:24
